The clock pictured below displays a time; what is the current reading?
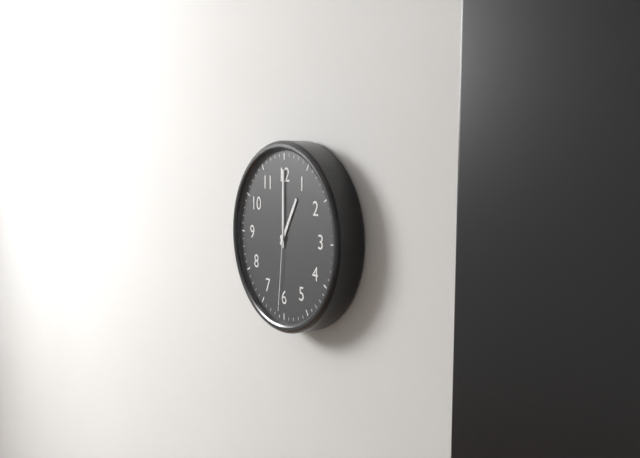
1:00:31
